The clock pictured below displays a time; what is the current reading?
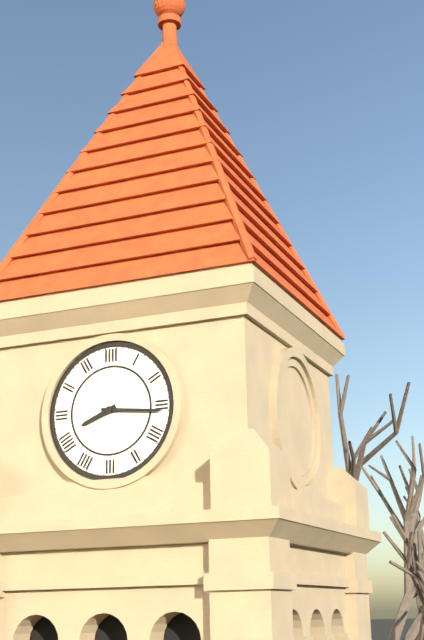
8:16
